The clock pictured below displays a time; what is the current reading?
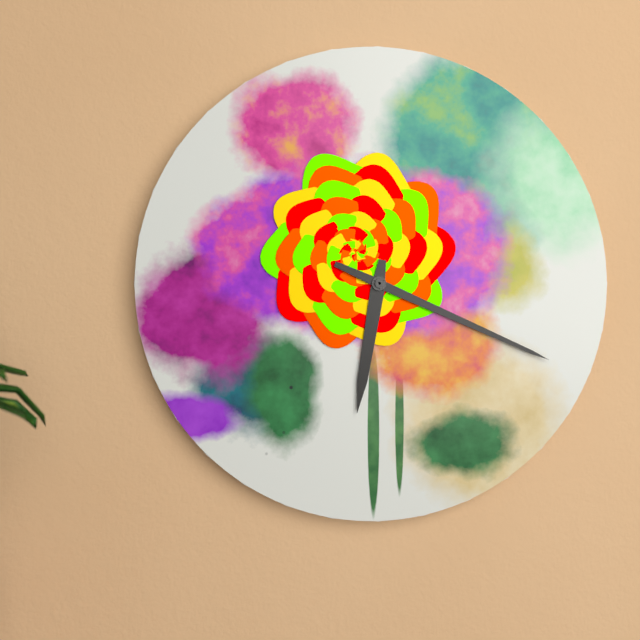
6:19
